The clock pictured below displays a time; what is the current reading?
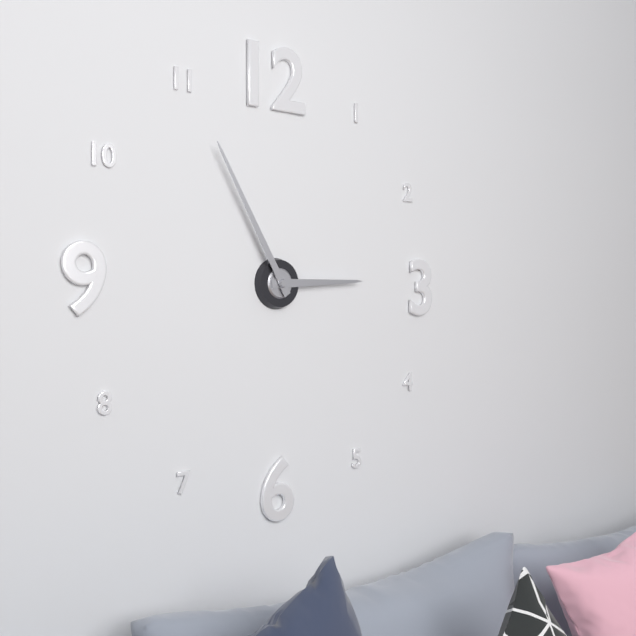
2:55
